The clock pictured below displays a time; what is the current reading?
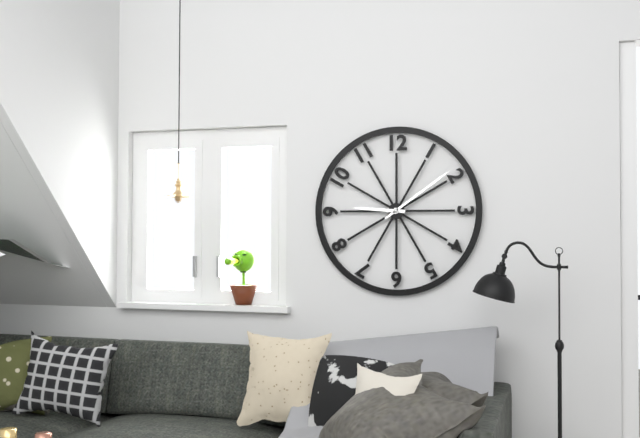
9:09
